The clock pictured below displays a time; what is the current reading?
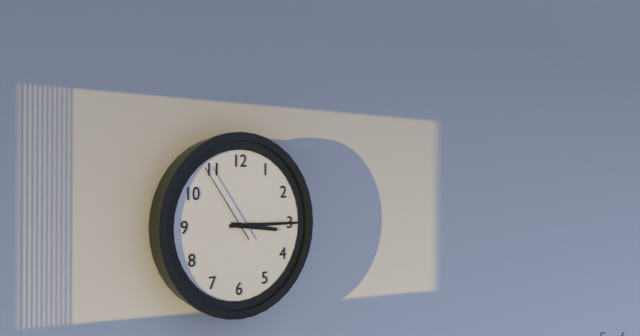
3:15:54
